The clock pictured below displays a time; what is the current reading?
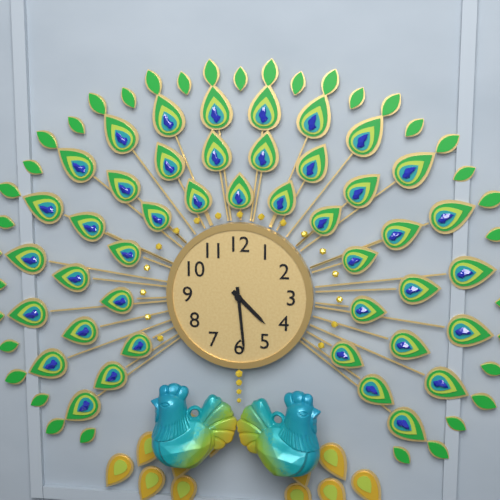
4:29
